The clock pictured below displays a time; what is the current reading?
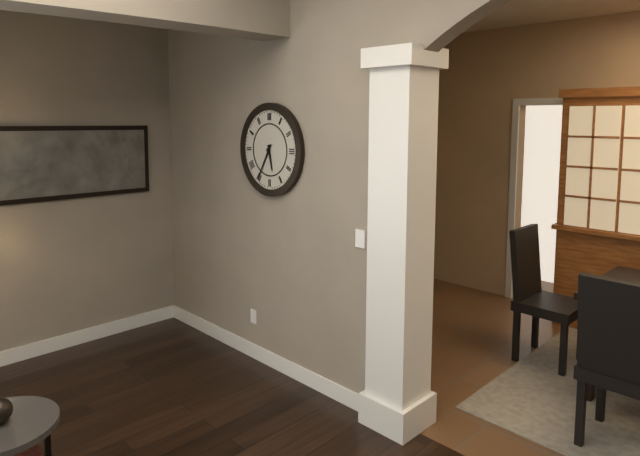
5:35
